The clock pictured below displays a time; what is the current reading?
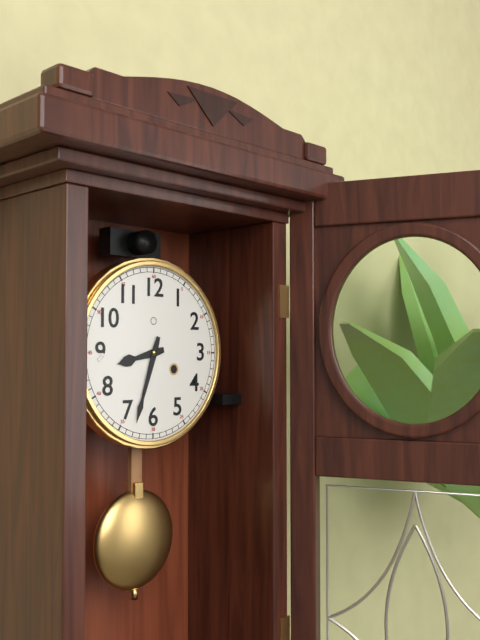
8:33
